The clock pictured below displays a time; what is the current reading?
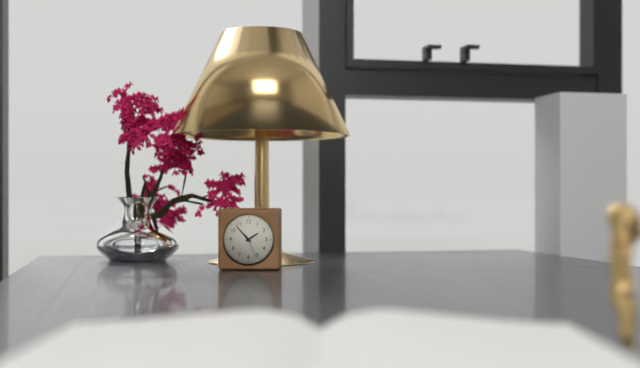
1:53
